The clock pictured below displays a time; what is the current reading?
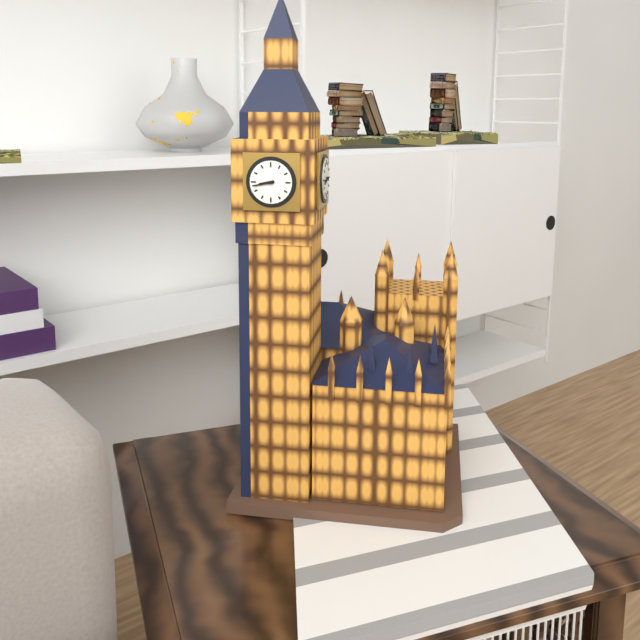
8:43
